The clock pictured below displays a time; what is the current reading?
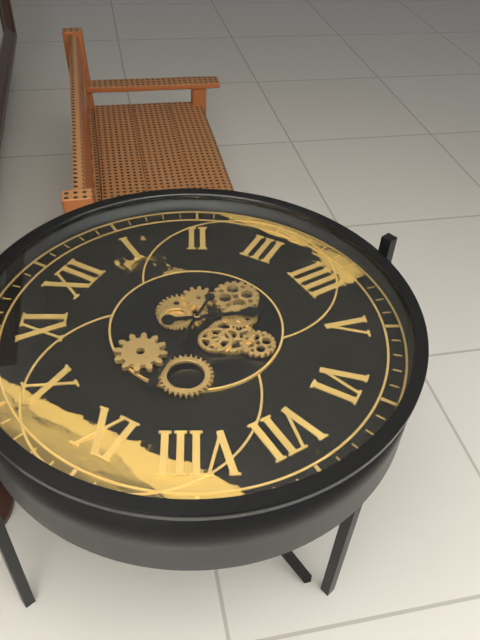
4:44
